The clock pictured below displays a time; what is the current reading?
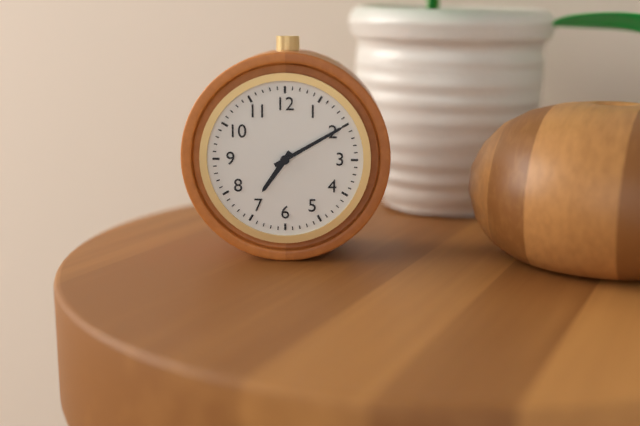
7:10
